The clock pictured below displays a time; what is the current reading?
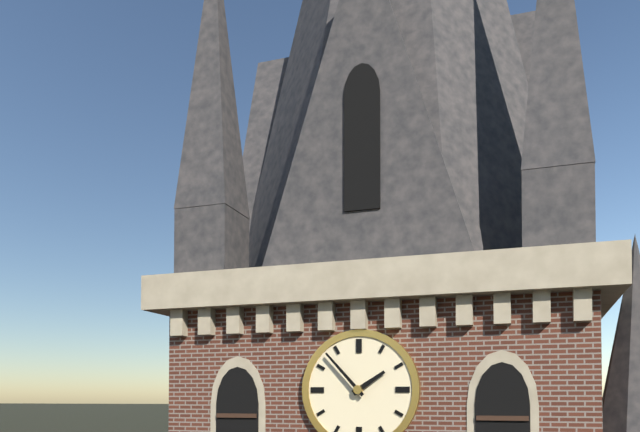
1:53
